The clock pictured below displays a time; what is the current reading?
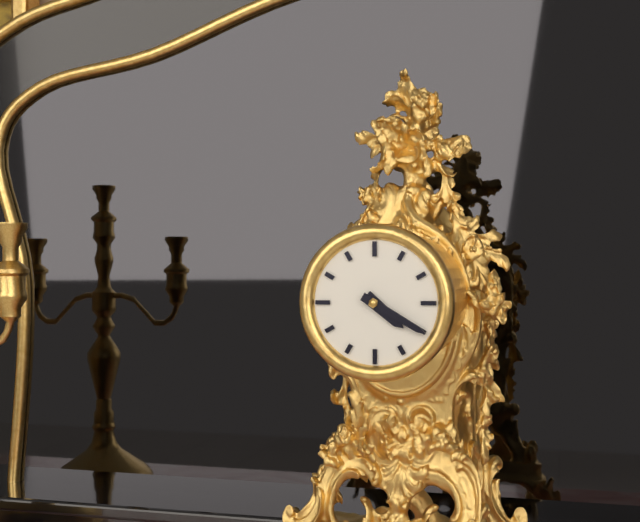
4:20
